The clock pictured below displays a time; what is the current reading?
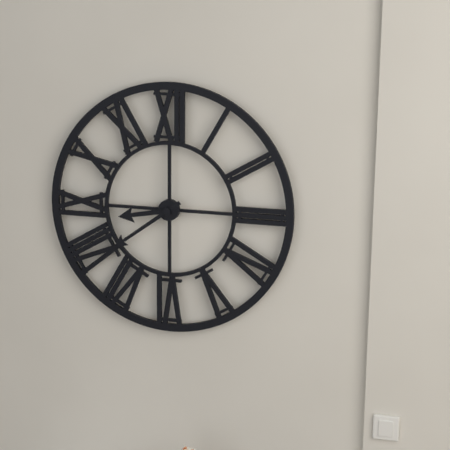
8:39
